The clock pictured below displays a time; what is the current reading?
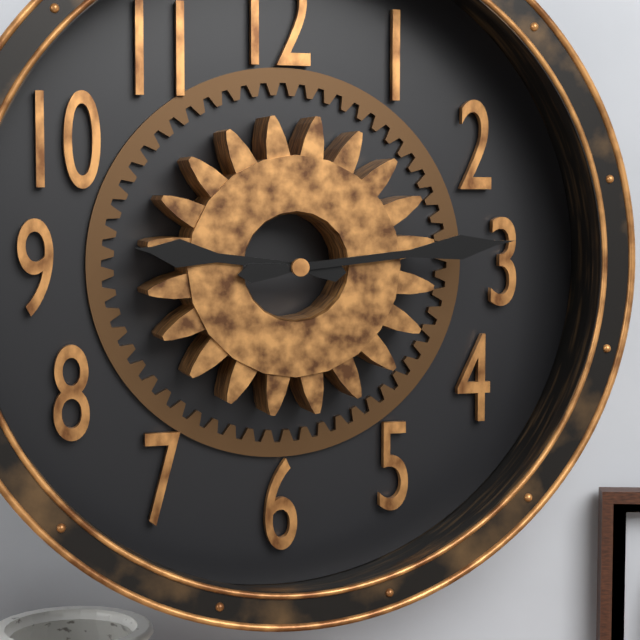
9:14
